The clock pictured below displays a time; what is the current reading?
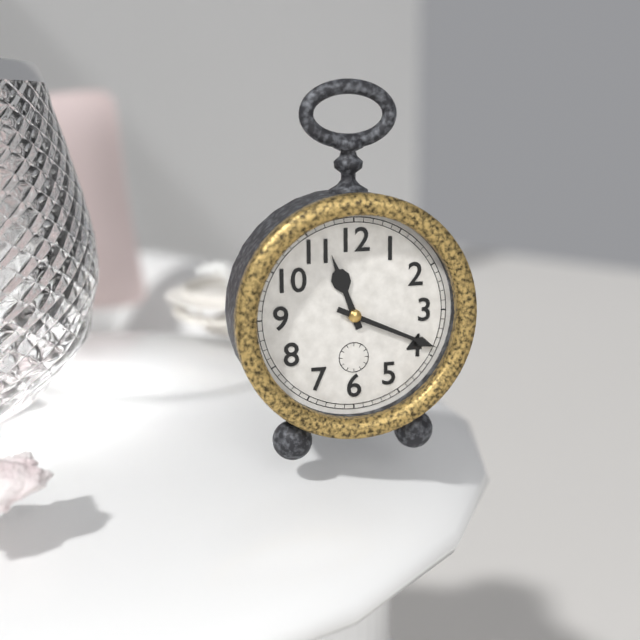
11:19
